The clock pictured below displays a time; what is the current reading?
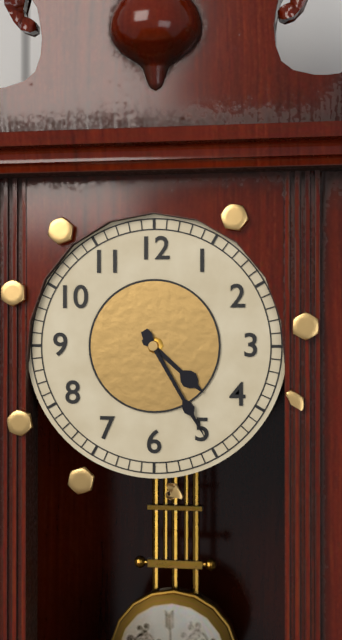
4:25
